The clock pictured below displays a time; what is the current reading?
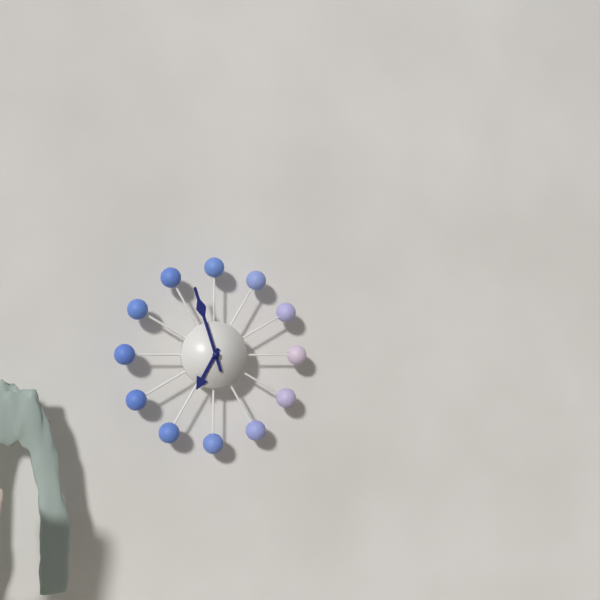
6:57
